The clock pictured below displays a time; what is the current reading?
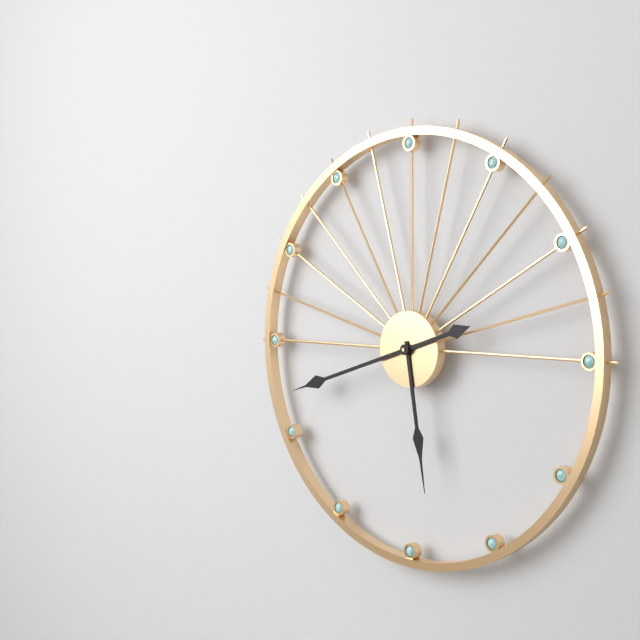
5:42
